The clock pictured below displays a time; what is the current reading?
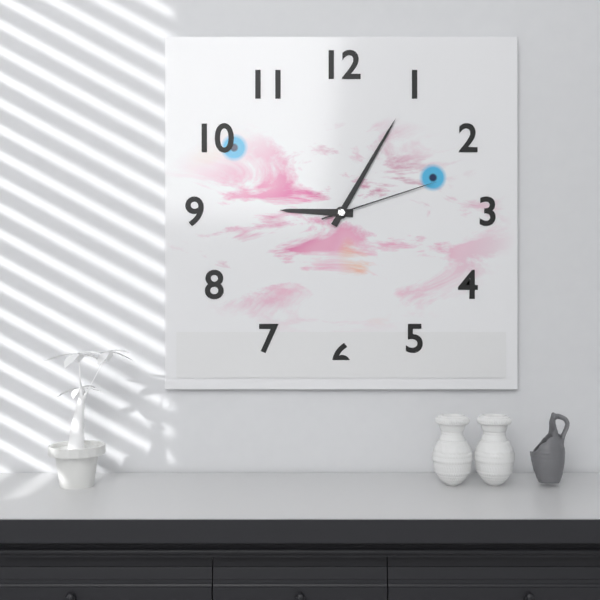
9:05:12
